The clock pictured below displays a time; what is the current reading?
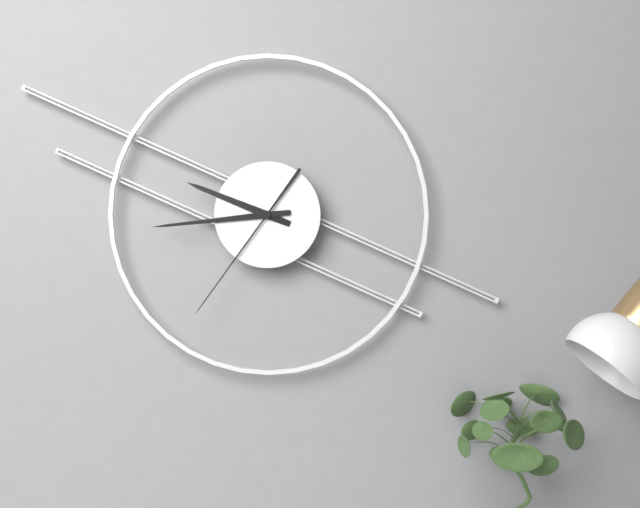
9:44:36
